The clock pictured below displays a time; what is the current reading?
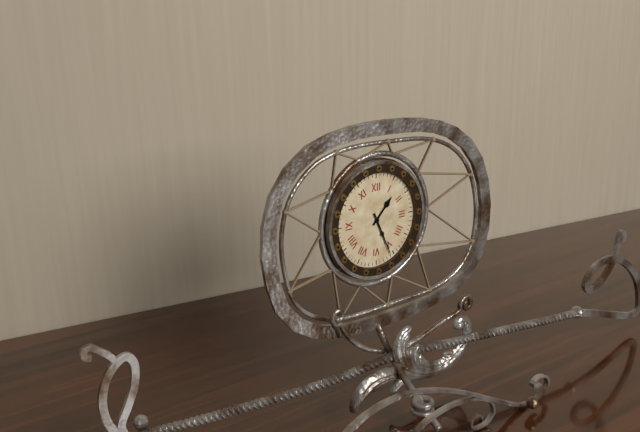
1:26
